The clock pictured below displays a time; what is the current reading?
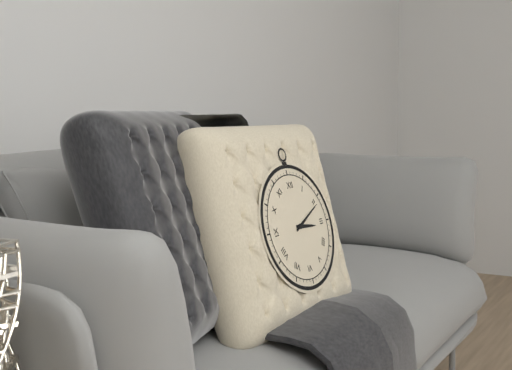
3:11
